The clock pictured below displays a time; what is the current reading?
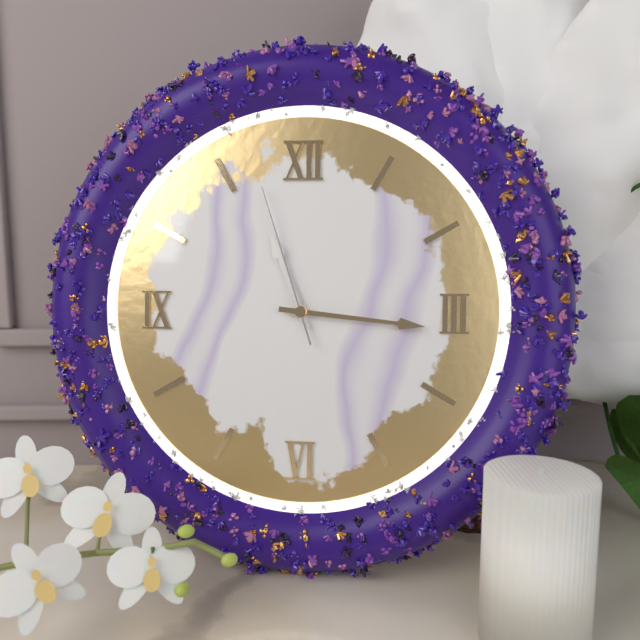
11:16:57
